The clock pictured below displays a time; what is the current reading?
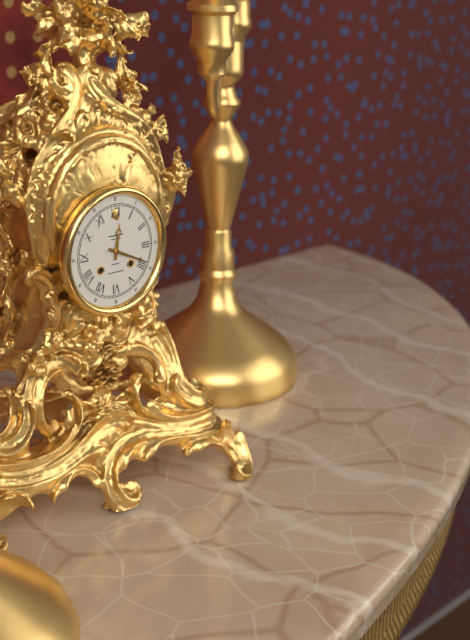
12:19
